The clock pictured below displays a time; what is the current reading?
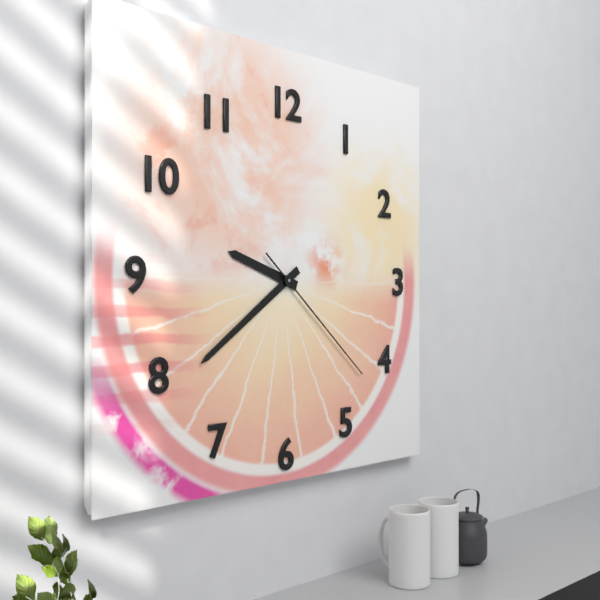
9:39:22
